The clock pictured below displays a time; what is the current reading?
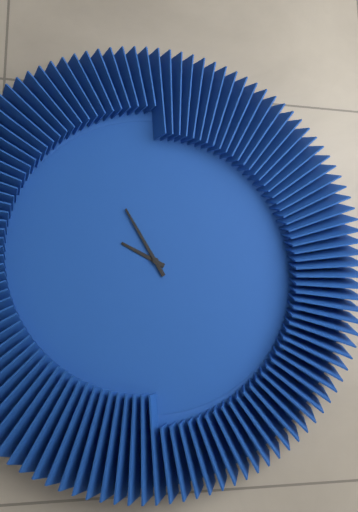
9:55
